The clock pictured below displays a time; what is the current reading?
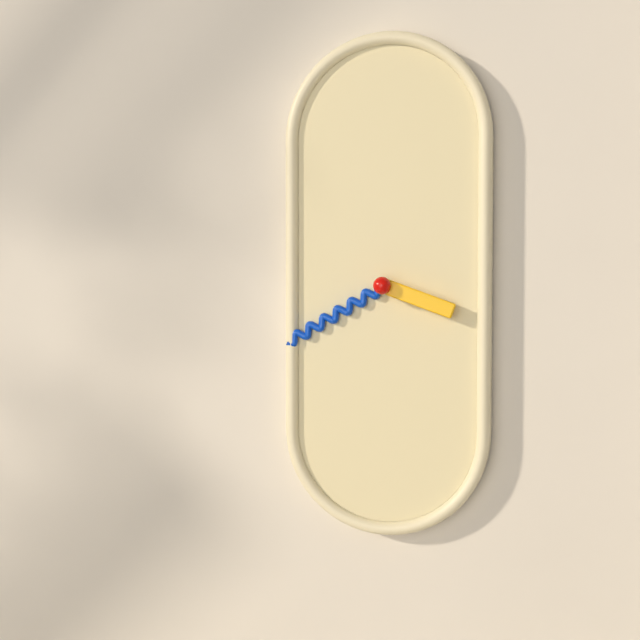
3:40
